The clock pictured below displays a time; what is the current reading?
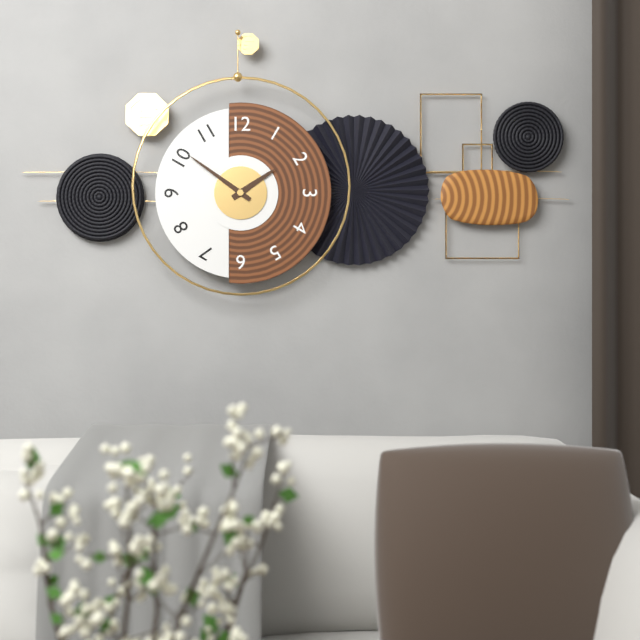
1:51
